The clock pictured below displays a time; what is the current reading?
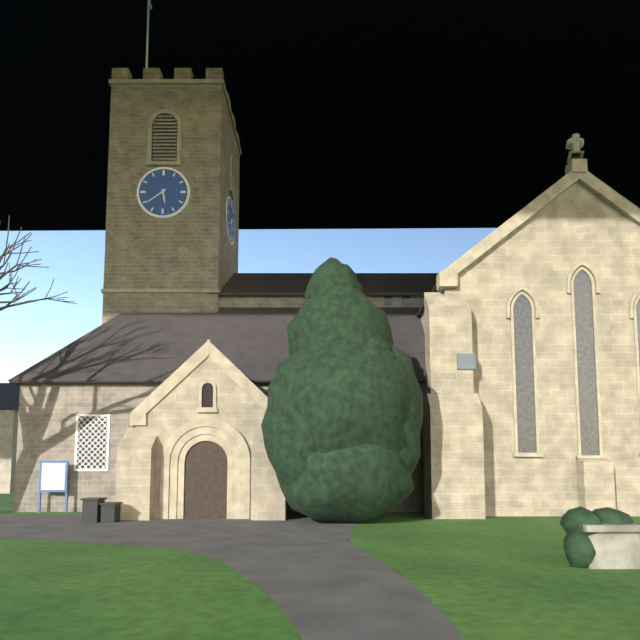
5:39
